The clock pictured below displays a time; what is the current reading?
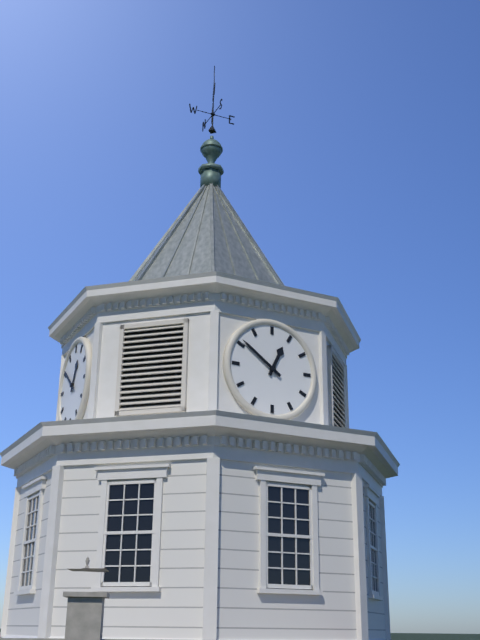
12:51
